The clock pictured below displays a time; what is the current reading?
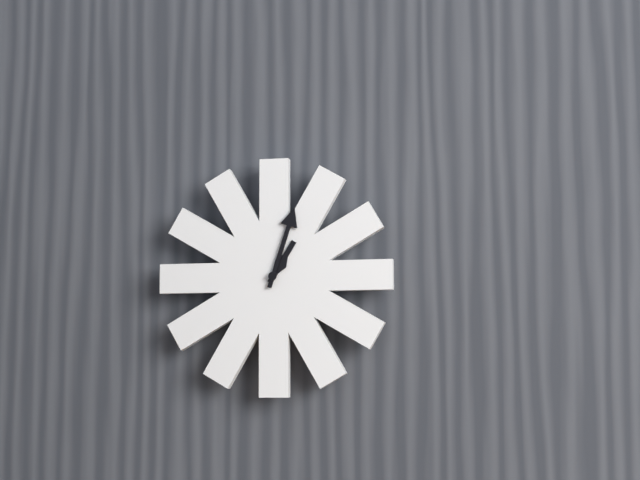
1:03
